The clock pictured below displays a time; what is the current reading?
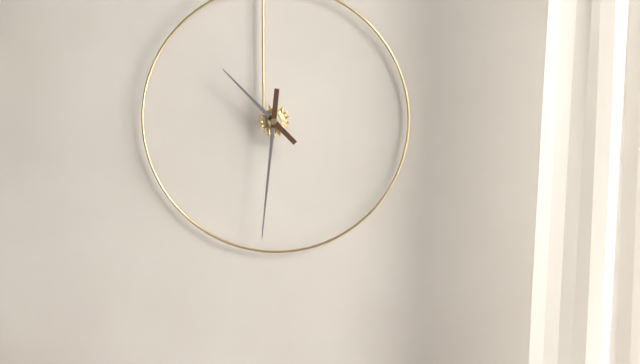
10:31
